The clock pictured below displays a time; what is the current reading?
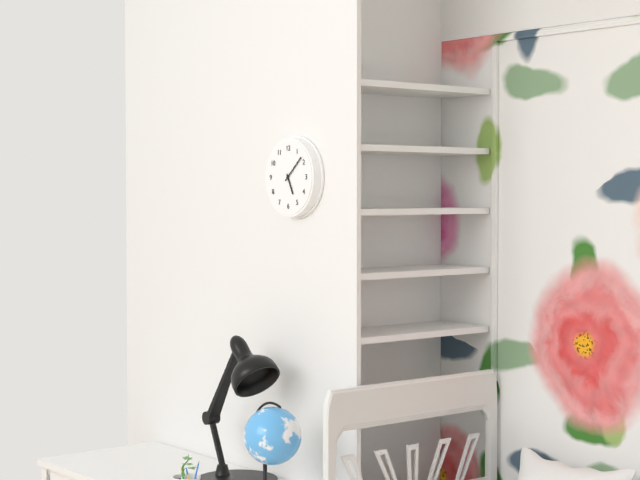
5:08
